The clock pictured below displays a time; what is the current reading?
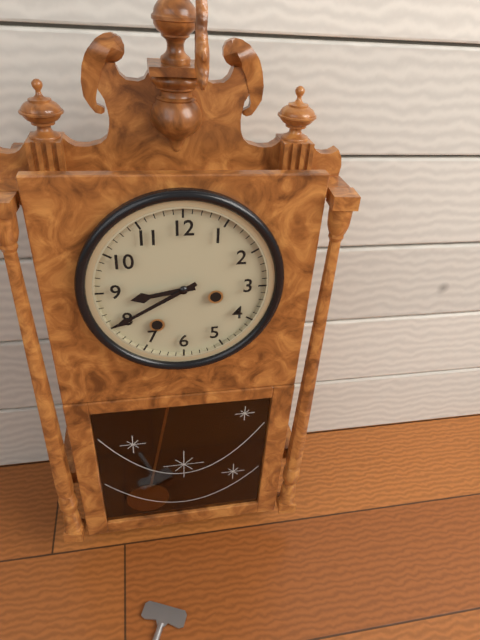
8:40
